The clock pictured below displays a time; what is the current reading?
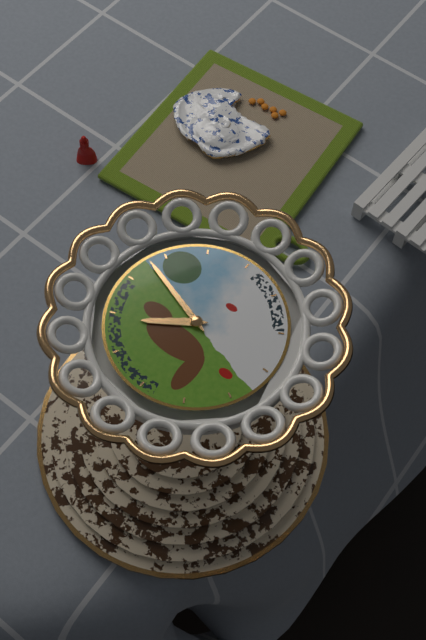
7:48
